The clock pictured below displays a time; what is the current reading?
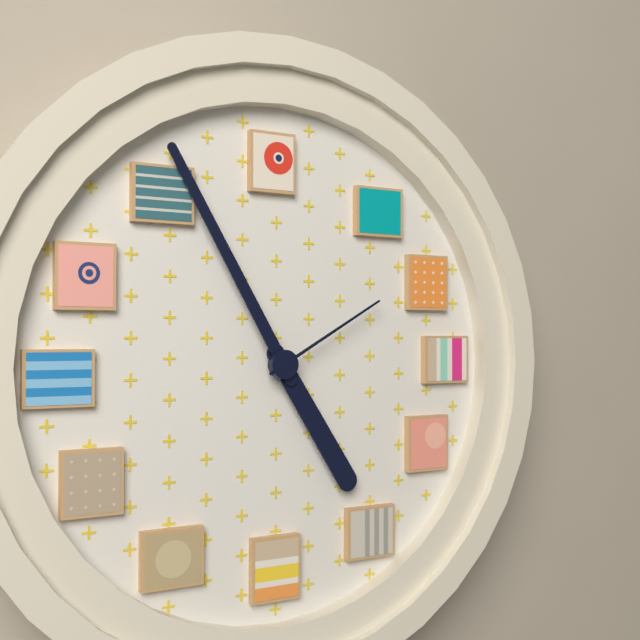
4:55:10
